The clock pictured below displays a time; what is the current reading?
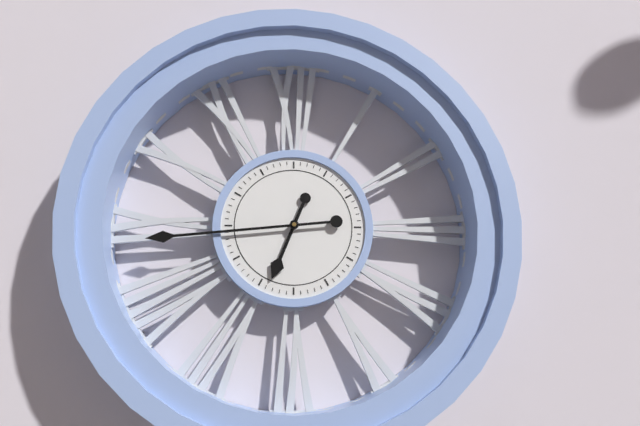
6:44
